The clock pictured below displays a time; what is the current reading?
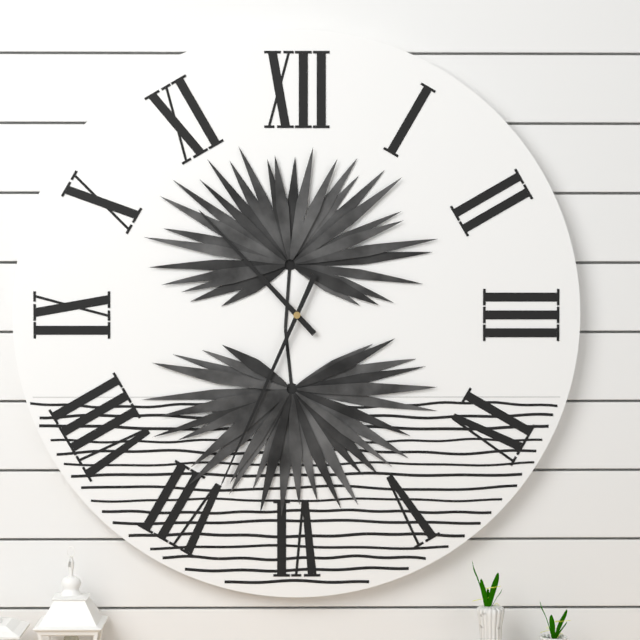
10:34
